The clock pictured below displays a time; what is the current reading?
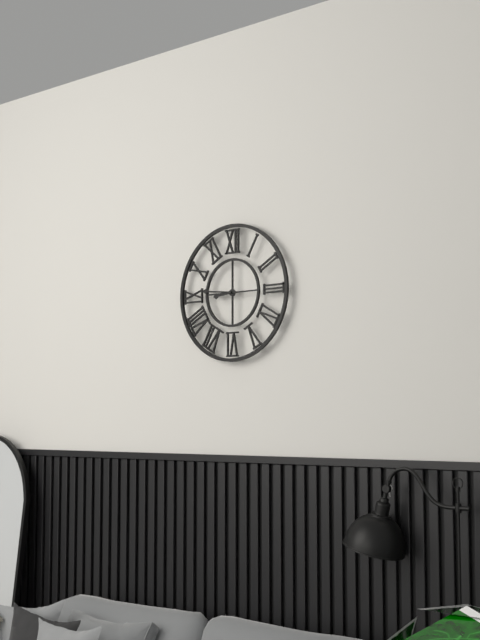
8:46
